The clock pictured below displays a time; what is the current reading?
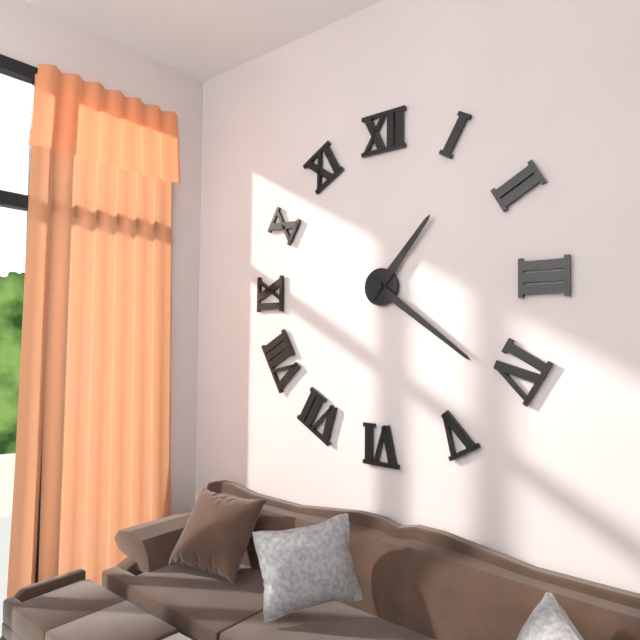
1:21
